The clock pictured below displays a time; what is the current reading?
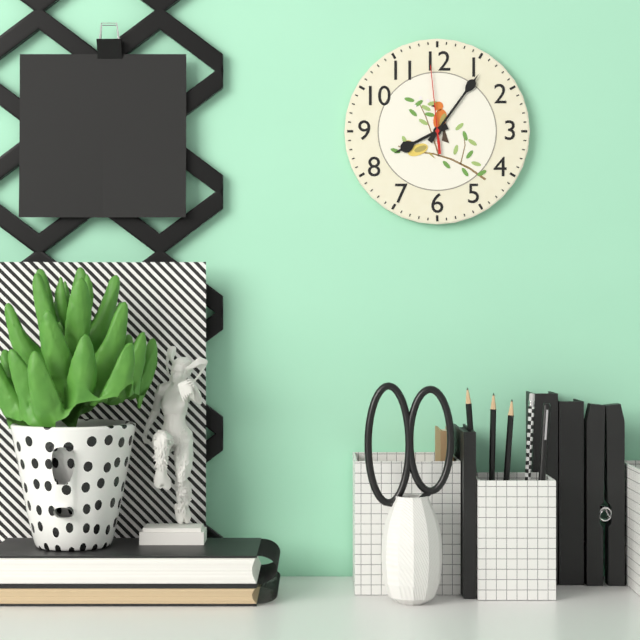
8:06:59
